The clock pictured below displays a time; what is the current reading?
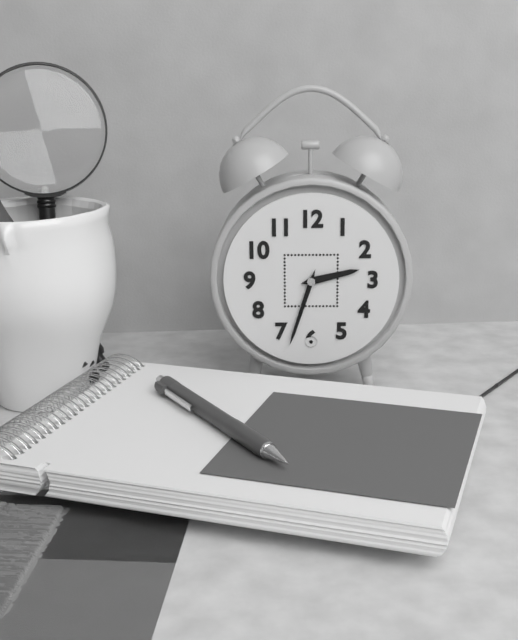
2:33
